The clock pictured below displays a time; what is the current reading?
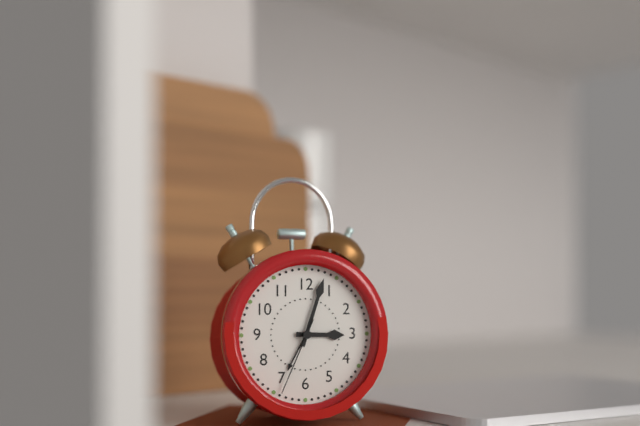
3:03:34
